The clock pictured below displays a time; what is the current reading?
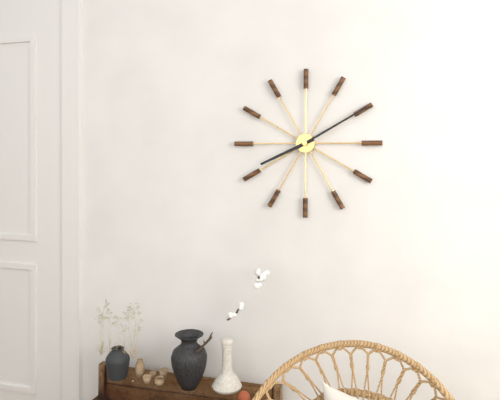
8:10
